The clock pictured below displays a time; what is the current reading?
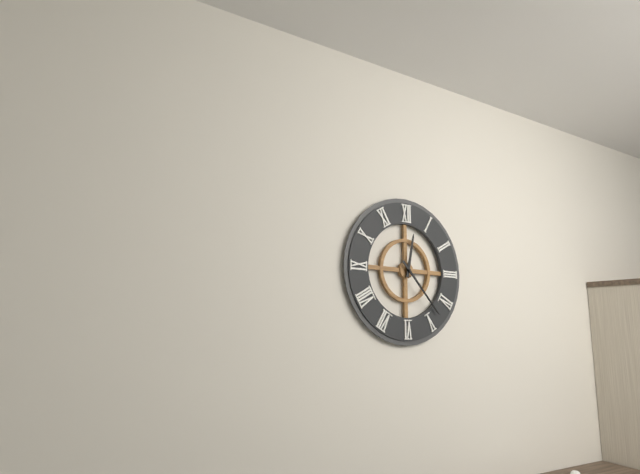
12:23
